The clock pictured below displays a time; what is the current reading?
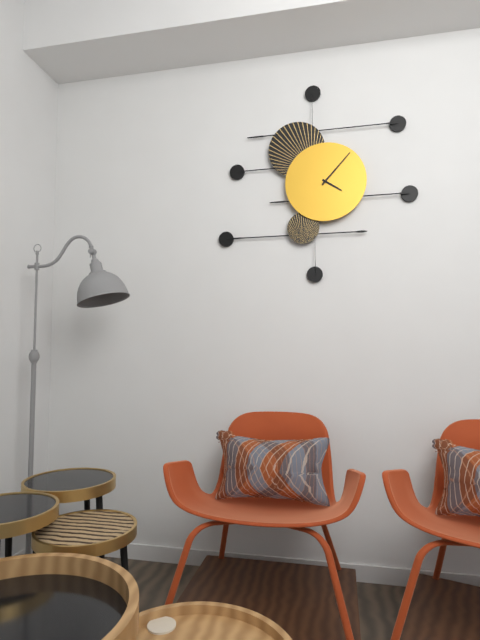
4:07
